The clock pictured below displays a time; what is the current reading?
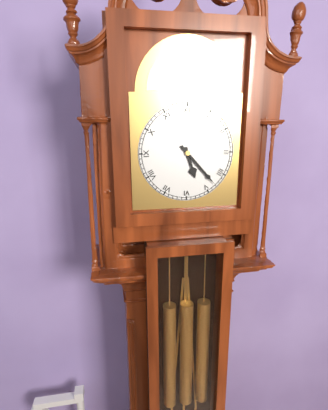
5:23
